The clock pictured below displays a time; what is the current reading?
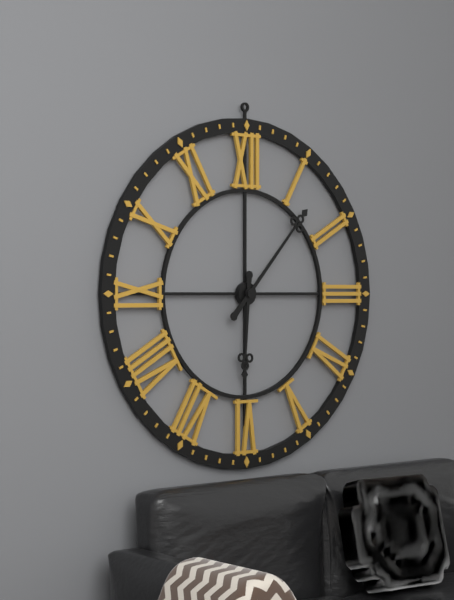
6:07
